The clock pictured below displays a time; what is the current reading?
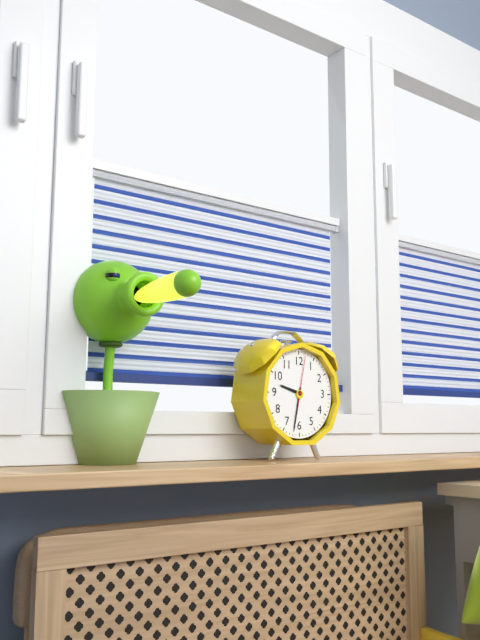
9:32
